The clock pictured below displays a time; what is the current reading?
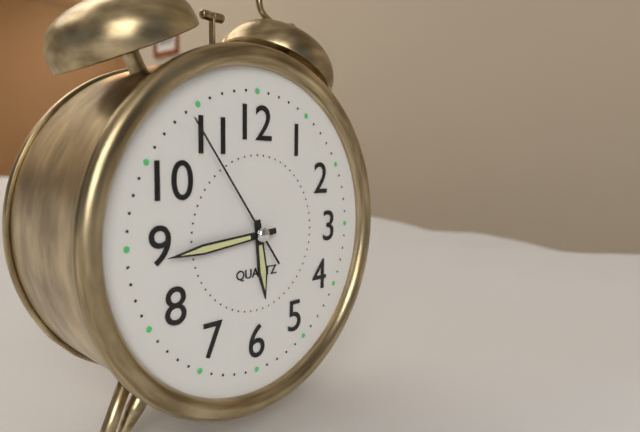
5:44:54
